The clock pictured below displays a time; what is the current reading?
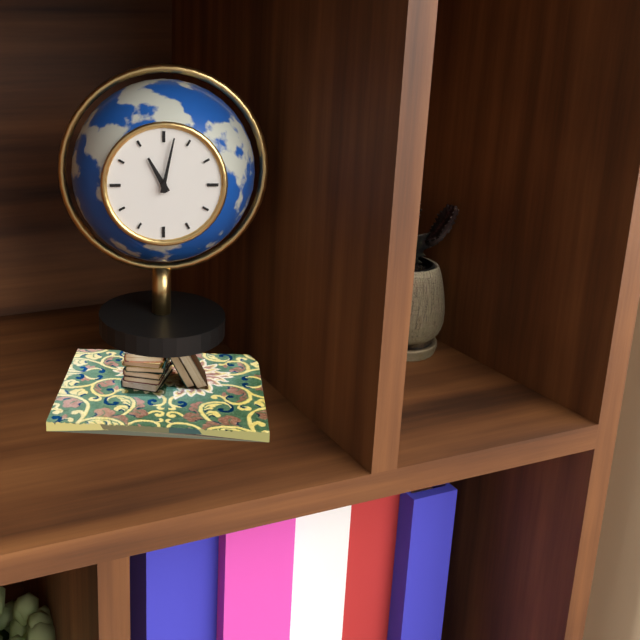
11:02
